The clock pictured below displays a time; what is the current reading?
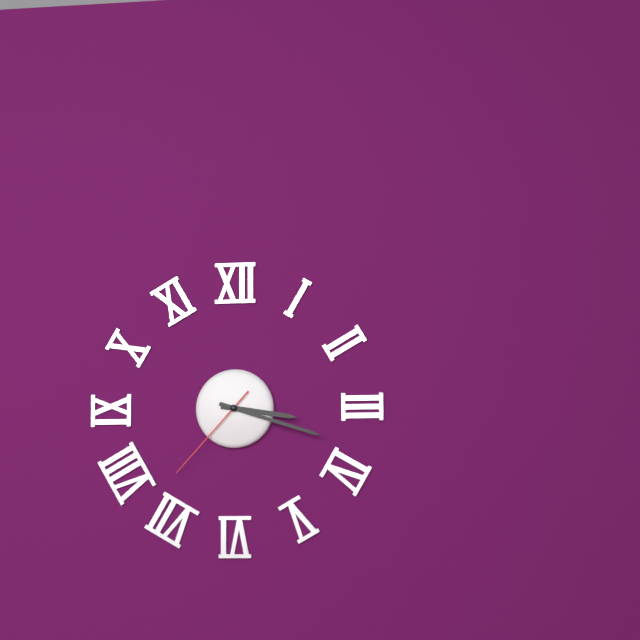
3:18:37
